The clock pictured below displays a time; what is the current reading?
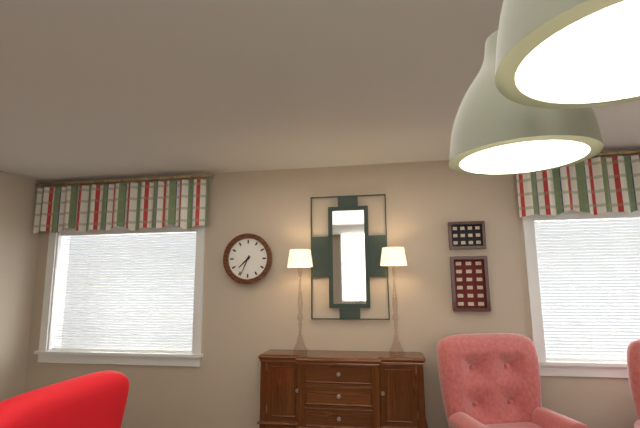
7:34
